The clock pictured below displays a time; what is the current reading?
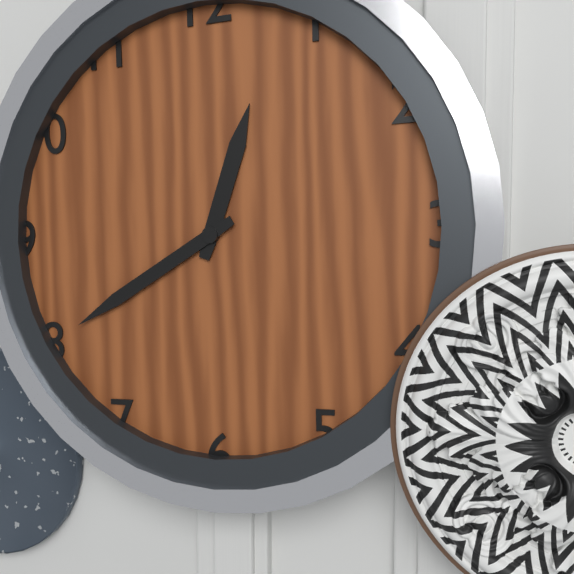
12:40
